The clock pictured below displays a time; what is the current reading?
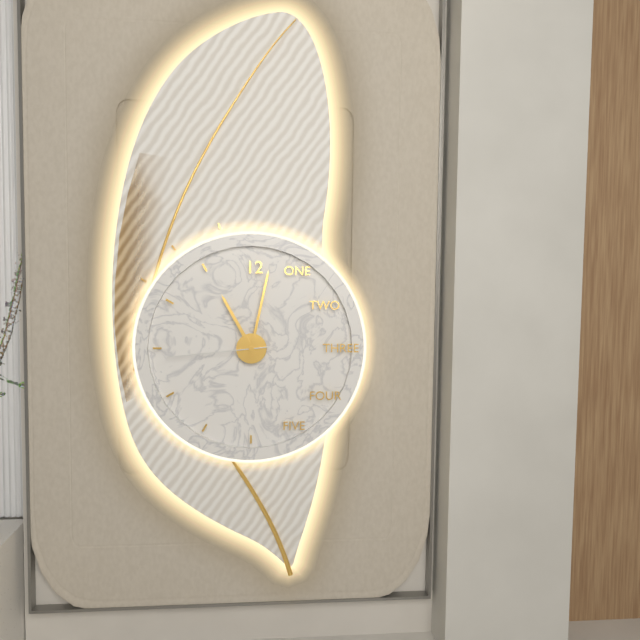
11:02:44
